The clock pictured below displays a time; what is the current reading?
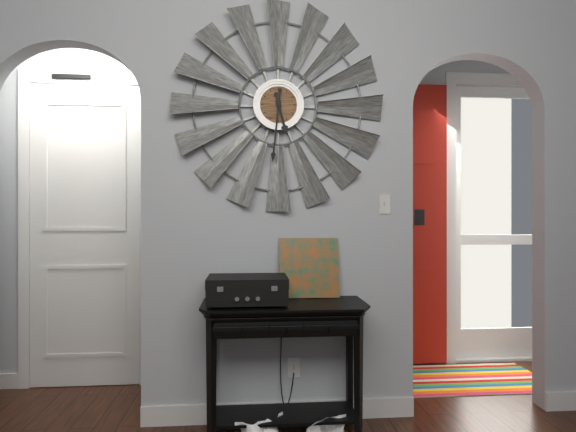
5:31
